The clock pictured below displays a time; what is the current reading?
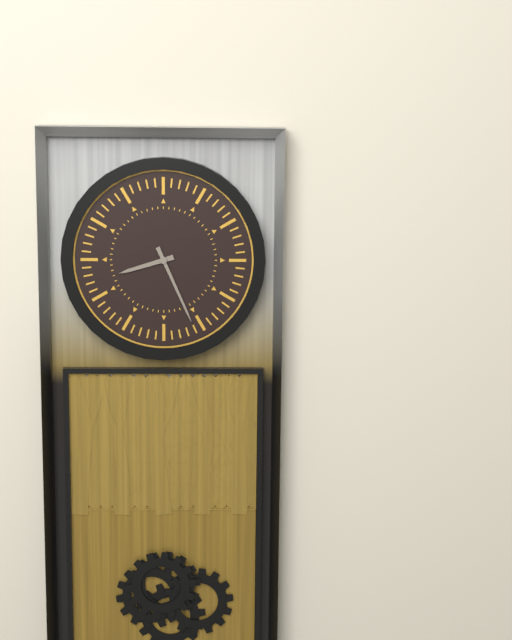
8:26
